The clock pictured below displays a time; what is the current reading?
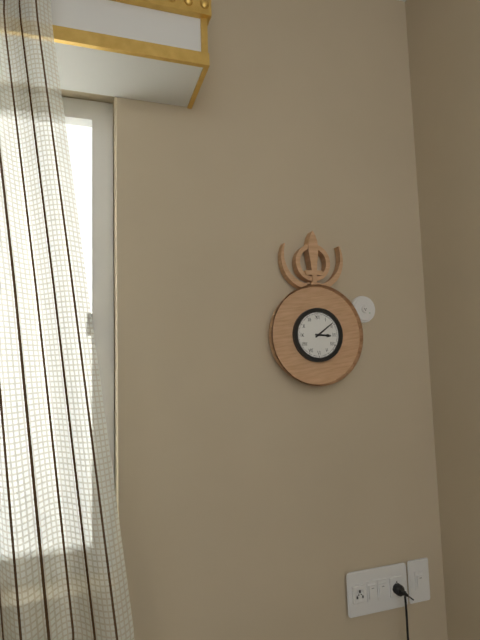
3:09
